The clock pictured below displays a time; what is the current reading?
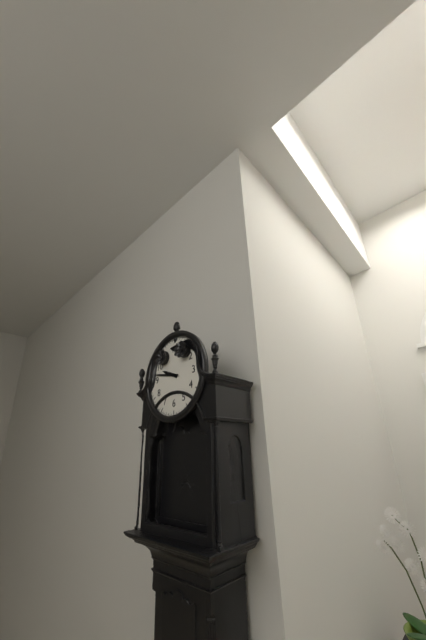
9:47
